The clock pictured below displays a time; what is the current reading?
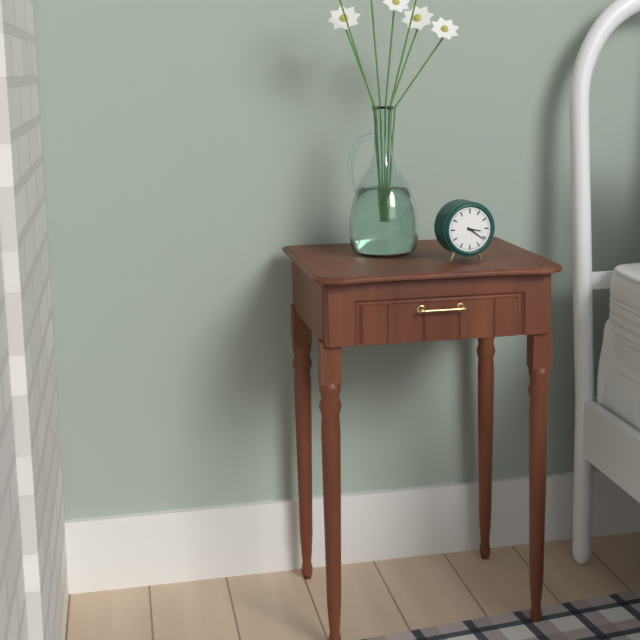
3:21
